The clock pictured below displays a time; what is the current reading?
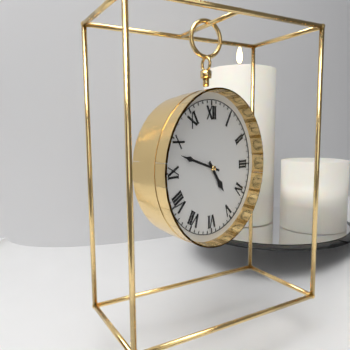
4:48
